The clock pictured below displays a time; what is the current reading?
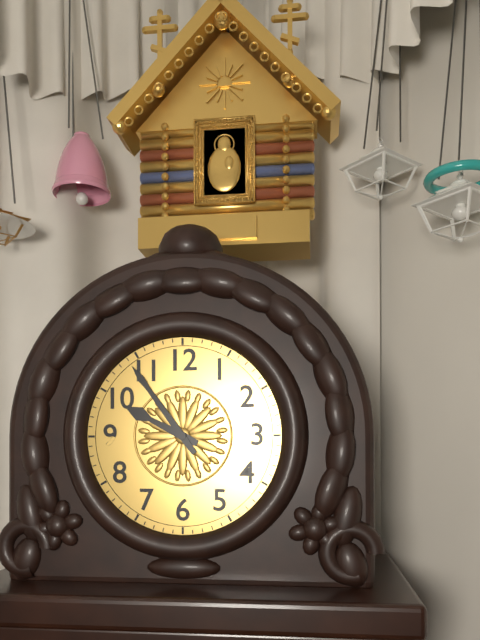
9:54
